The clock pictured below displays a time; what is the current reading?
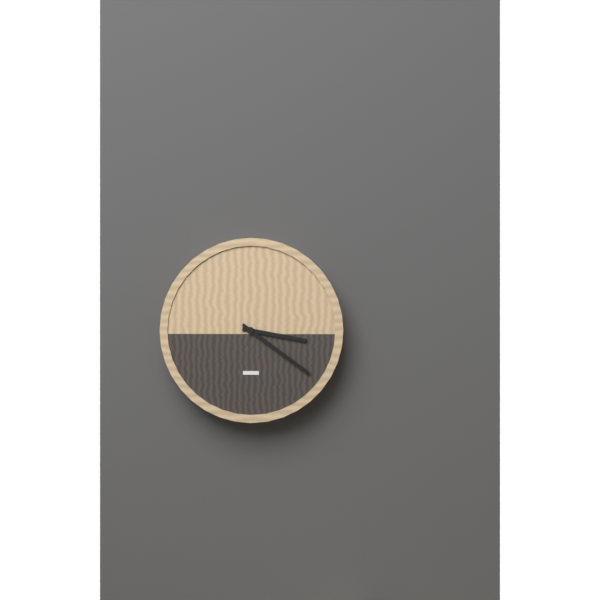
3:21
